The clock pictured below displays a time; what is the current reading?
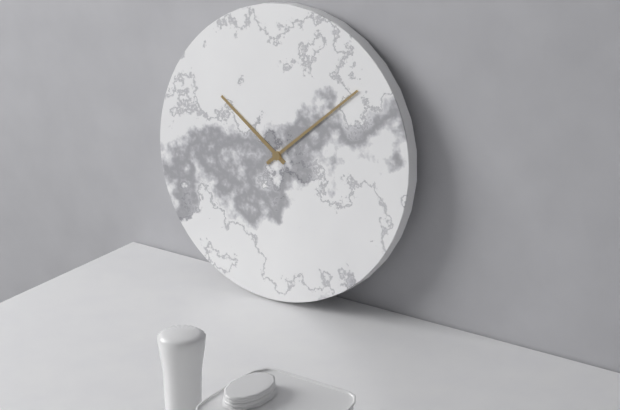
10:08
